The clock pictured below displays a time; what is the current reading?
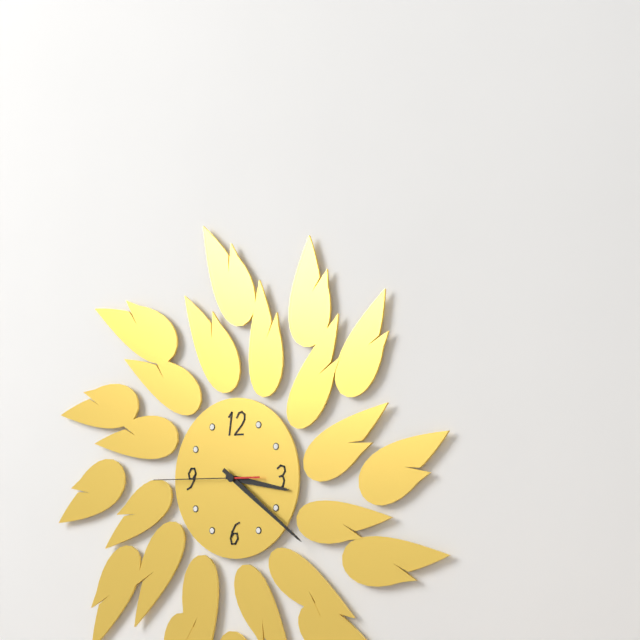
3:21:45
